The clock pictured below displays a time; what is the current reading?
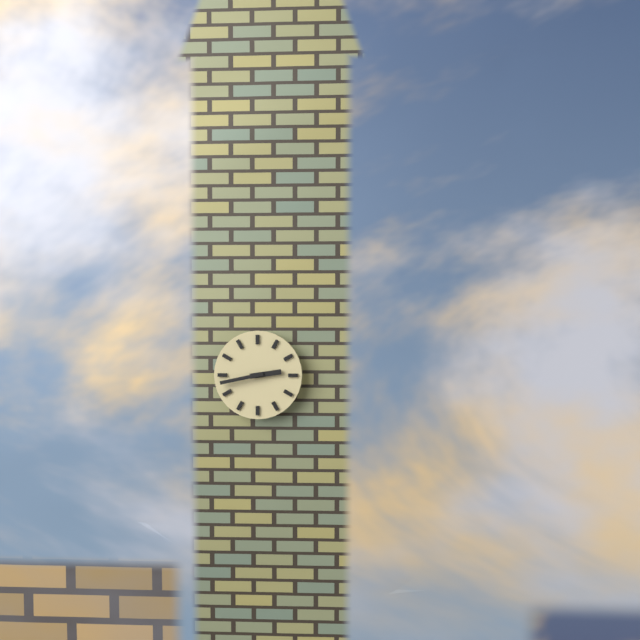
2:43
